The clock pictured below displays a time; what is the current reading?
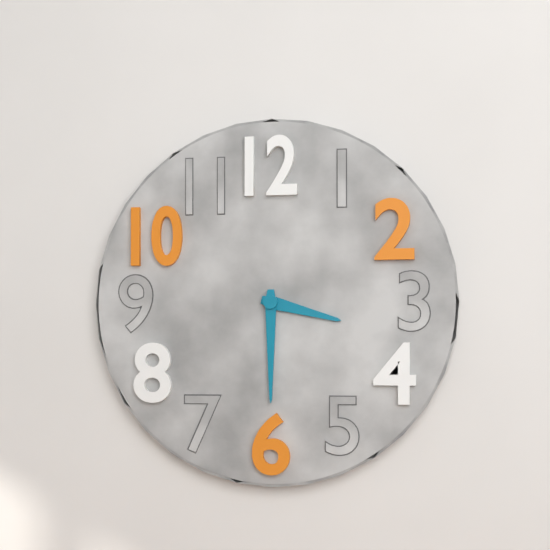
3:30
